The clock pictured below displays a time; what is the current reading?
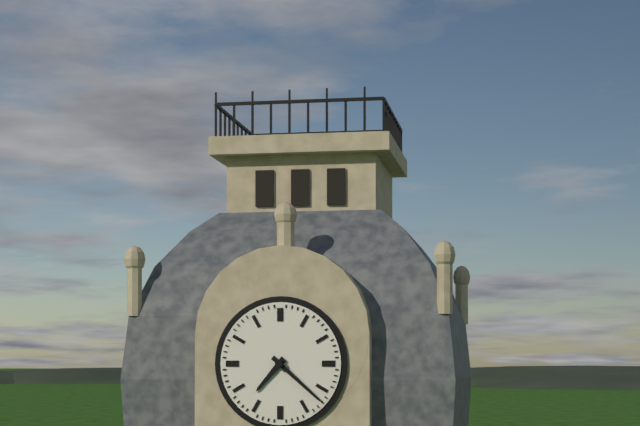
7:22
